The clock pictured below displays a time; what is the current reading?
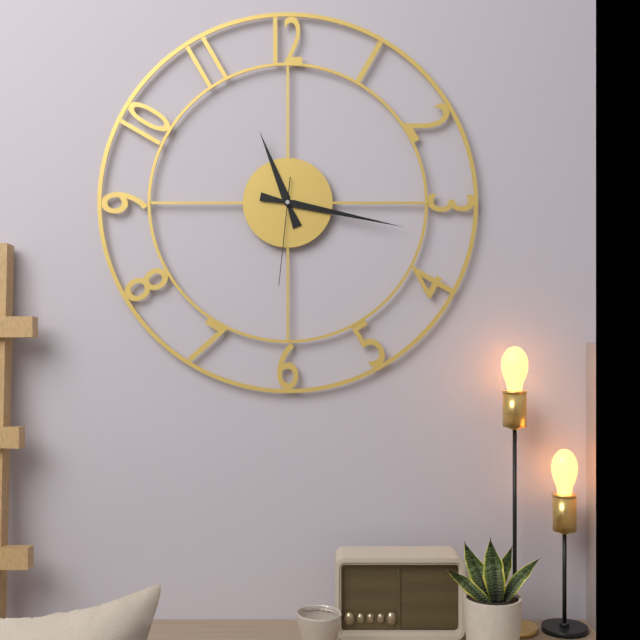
11:17:31
